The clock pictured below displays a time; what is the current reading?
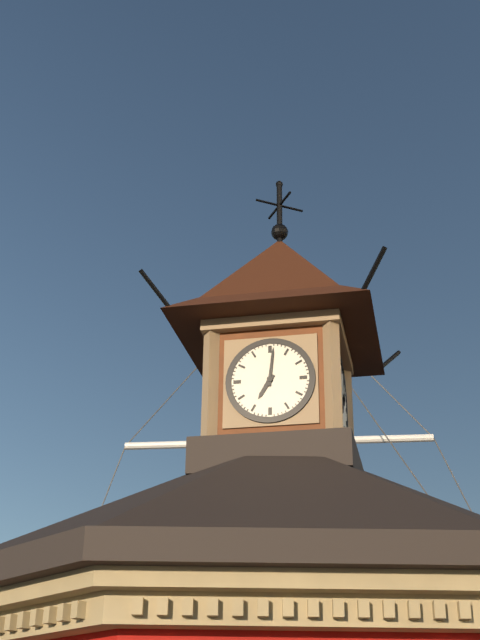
7:01
